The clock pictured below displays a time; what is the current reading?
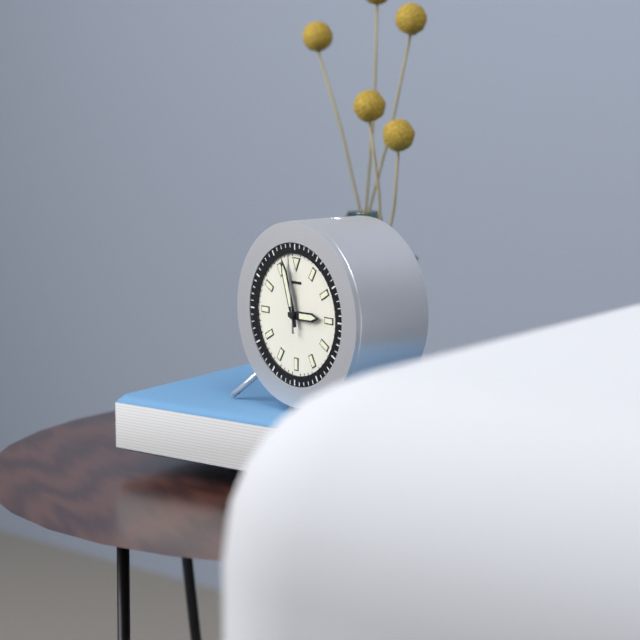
2:57:59
